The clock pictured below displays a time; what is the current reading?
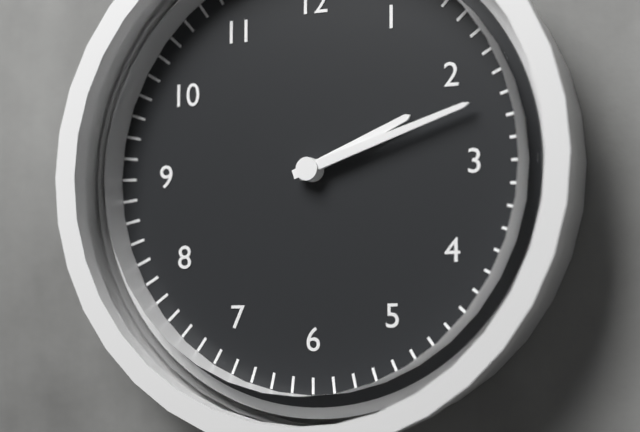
2:12
